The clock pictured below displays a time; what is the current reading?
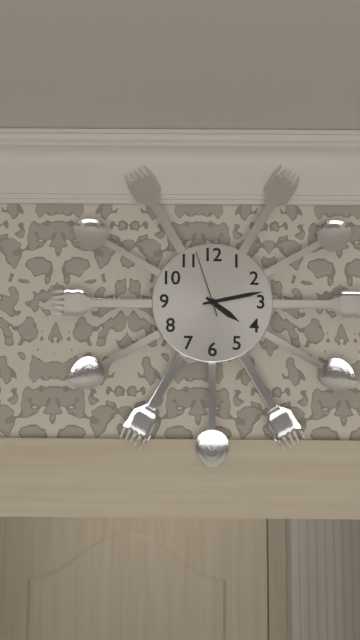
4:13:57
